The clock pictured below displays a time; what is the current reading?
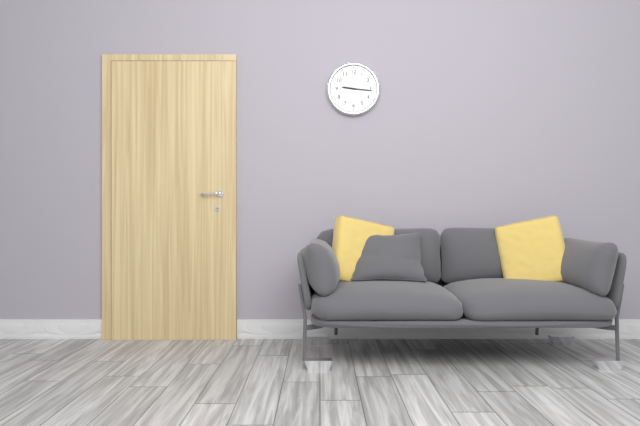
9:16
